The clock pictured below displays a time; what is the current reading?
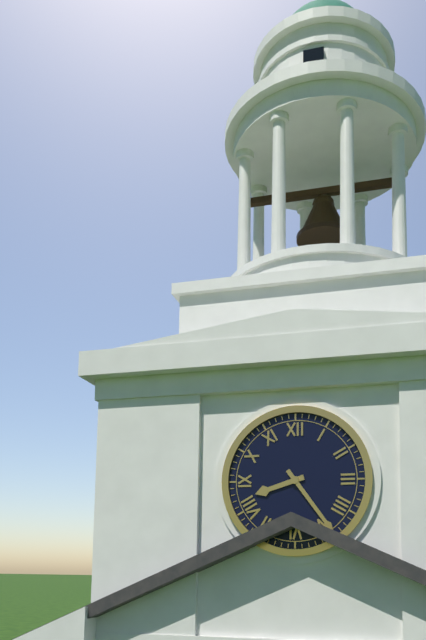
8:24
